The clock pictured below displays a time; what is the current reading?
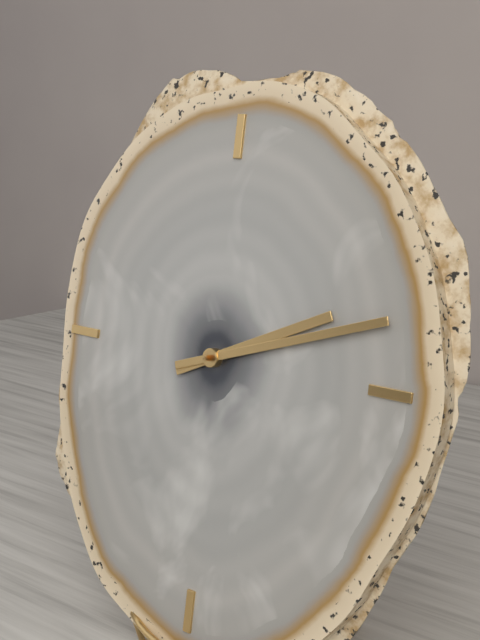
2:12
